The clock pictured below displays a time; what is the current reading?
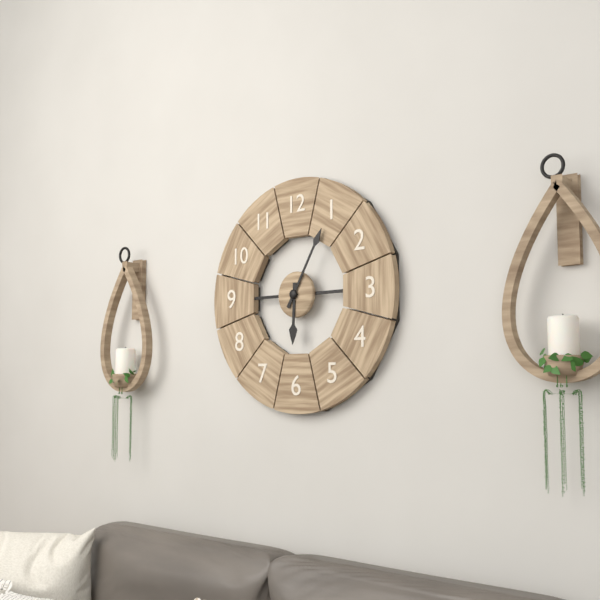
6:05
